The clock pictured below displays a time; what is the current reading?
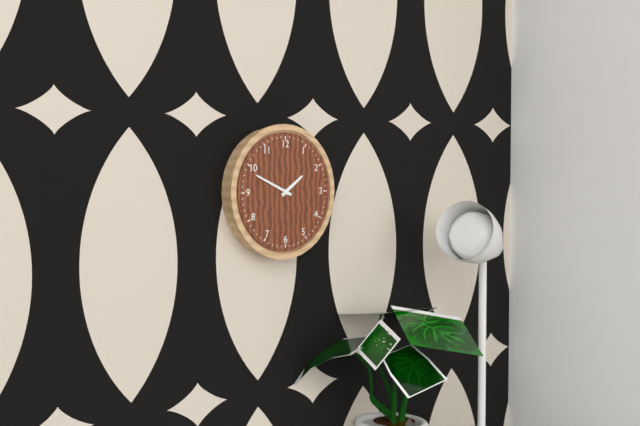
1:49
